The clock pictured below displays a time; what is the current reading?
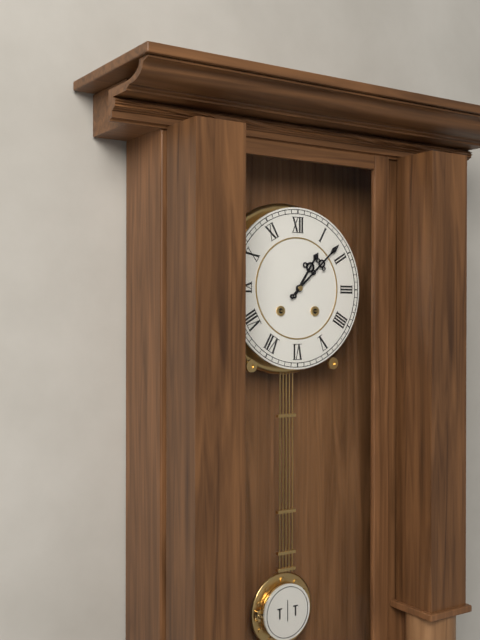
1:08
